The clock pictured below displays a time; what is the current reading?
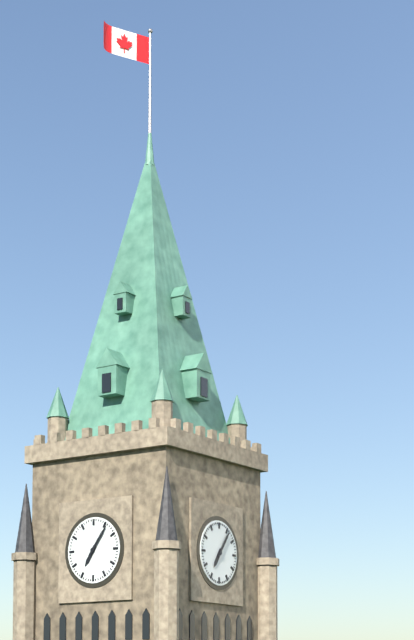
7:06
